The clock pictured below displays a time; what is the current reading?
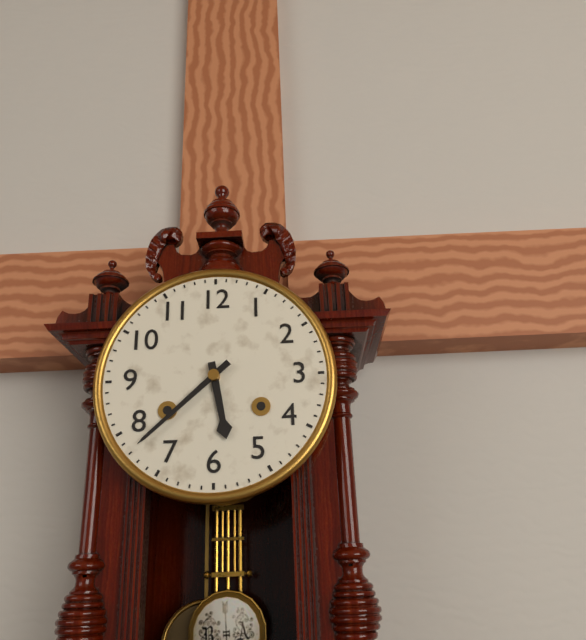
5:38
